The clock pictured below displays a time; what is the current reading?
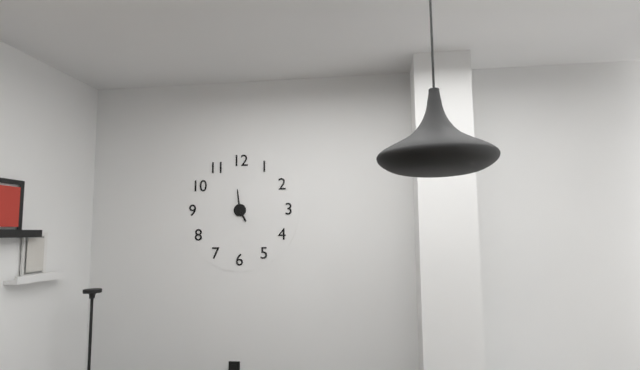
4:59
